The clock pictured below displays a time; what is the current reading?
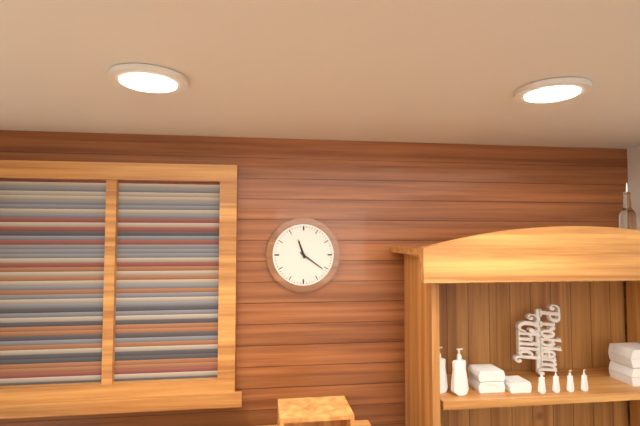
11:21
